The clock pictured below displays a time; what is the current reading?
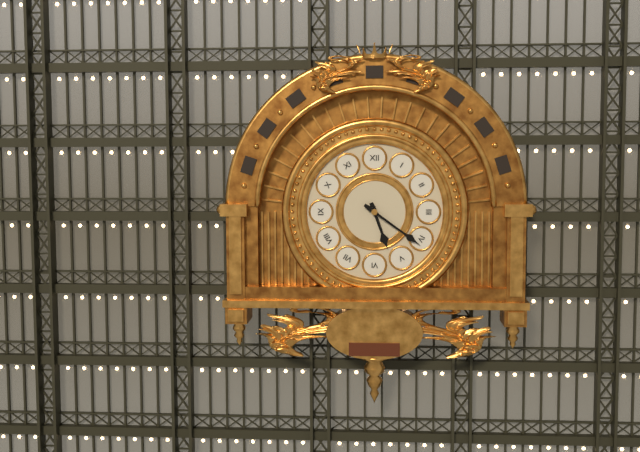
5:21
